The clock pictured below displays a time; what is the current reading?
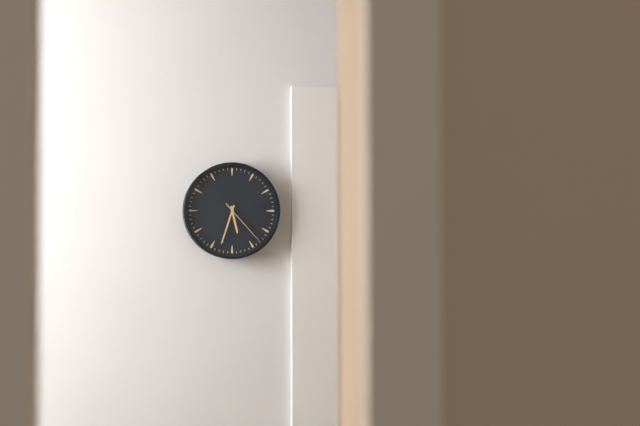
5:33
